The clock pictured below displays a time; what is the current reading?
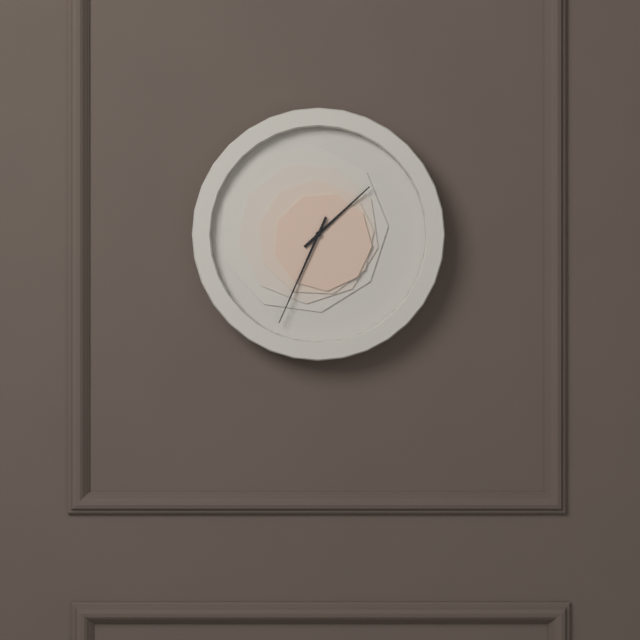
1:34
